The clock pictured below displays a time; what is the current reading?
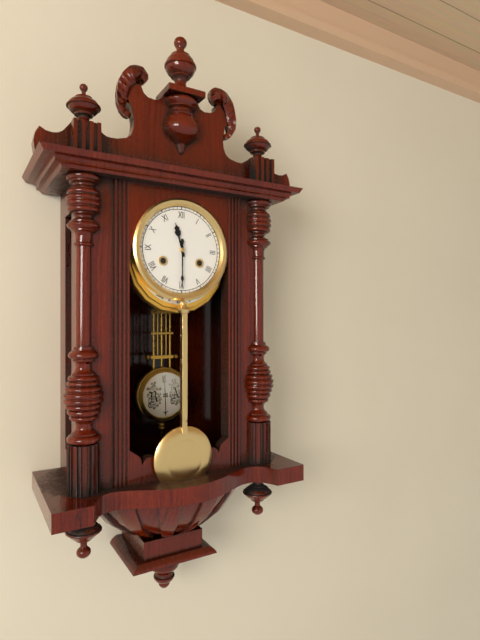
11:30
